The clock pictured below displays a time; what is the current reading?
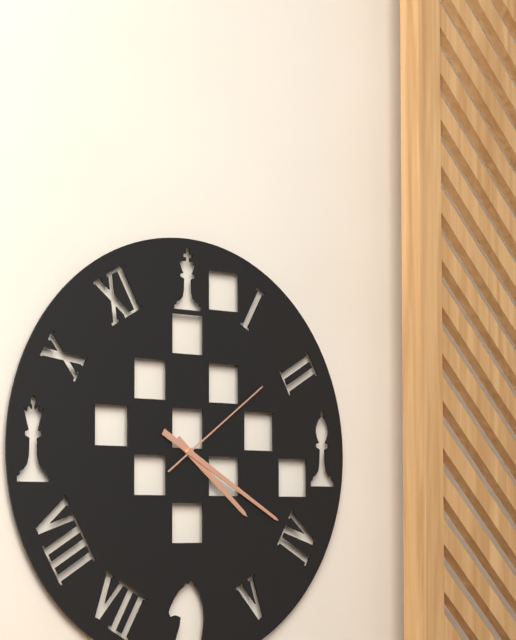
4:20:09
